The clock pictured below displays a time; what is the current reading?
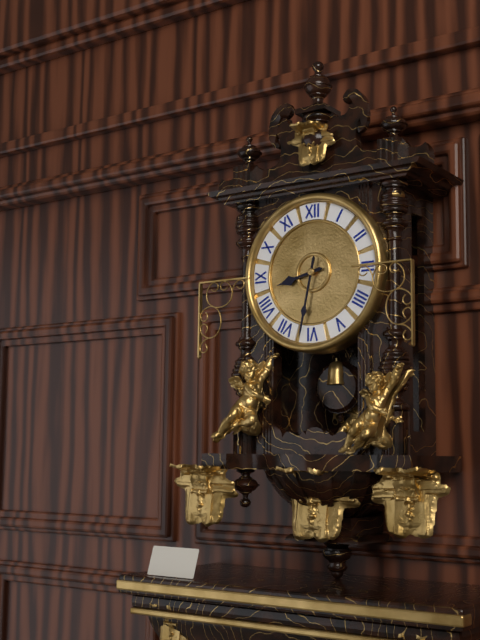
8:32
